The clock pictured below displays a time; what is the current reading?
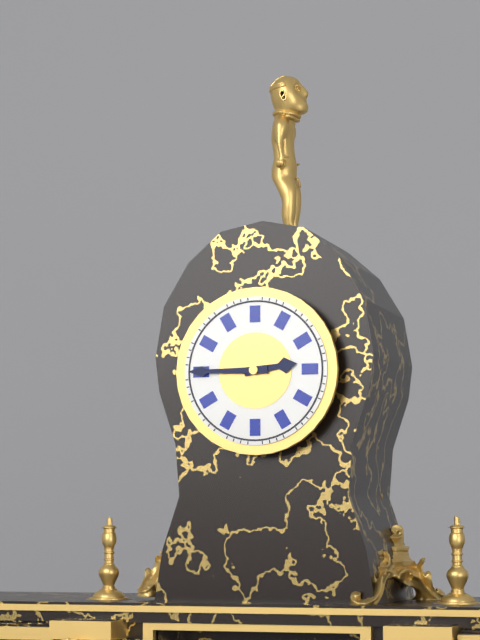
2:45
